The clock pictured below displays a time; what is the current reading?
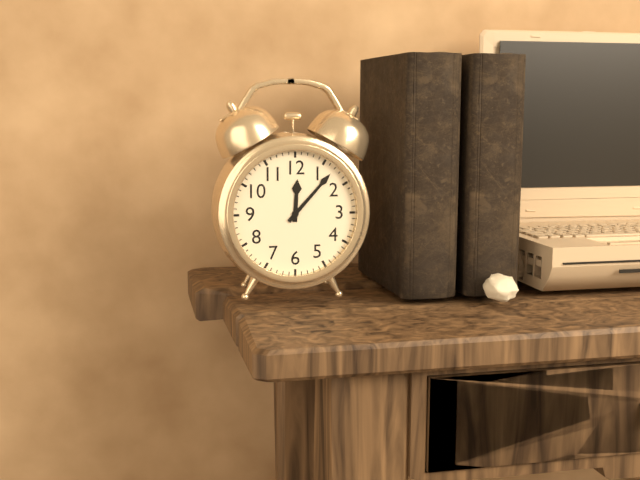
12:07
